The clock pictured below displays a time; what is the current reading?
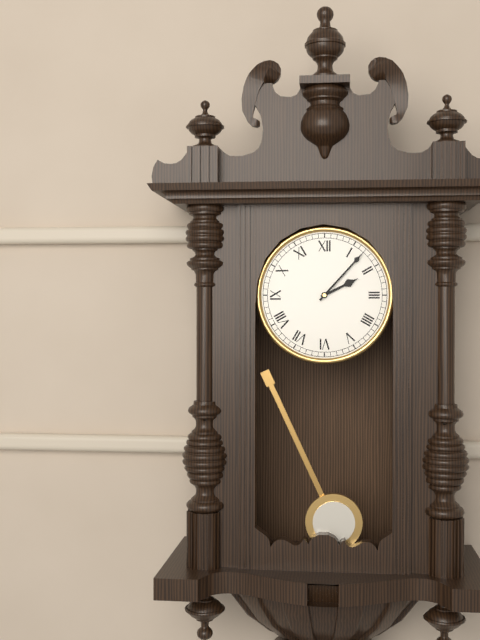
2:07
